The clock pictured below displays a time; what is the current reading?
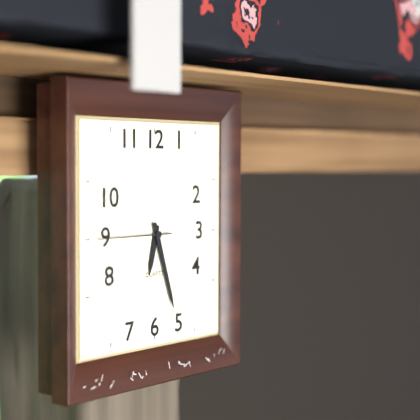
6:27:45
